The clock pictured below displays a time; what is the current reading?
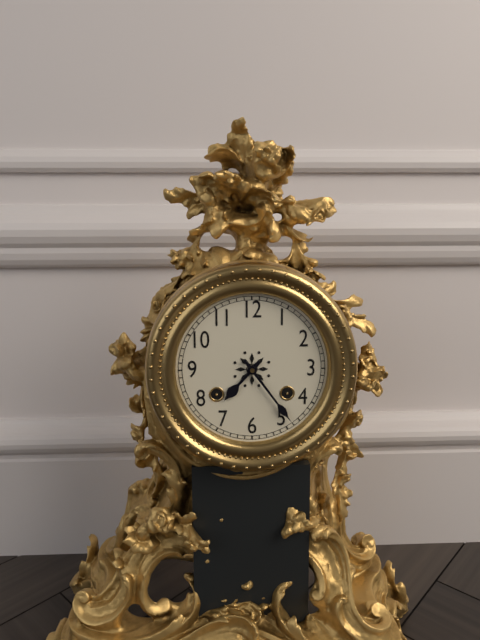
7:24
